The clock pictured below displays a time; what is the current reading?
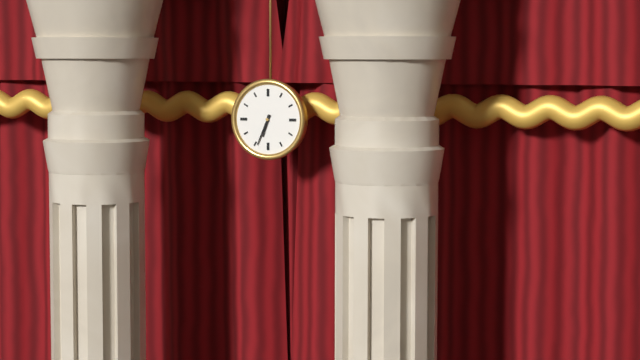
6:34
